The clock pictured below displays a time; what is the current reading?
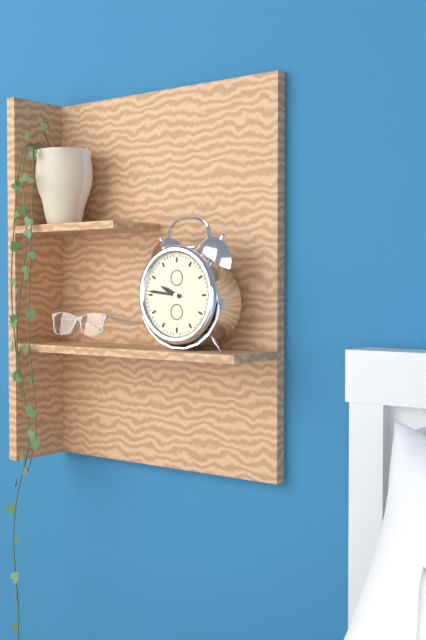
9:46
